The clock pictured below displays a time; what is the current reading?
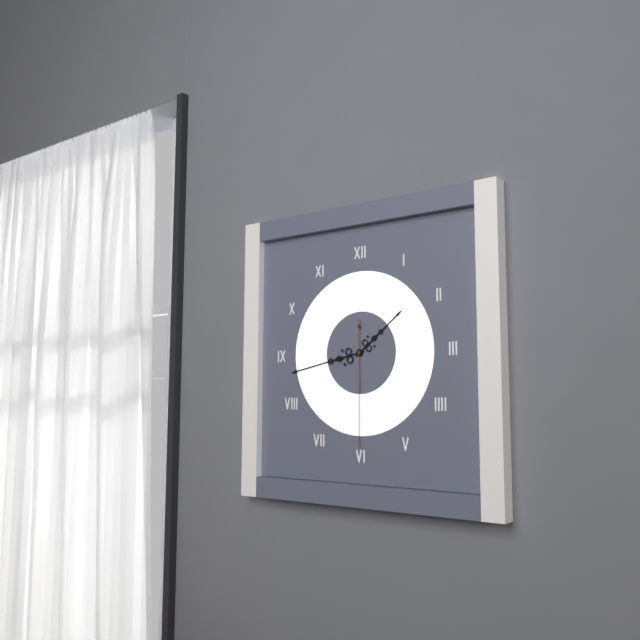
1:43:30
